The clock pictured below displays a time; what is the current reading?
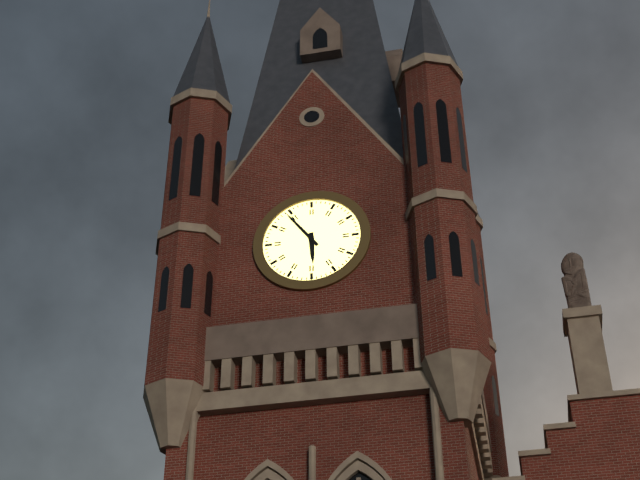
5:54
